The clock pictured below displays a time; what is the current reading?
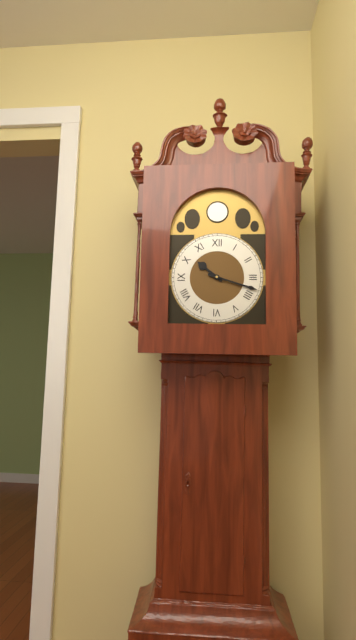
10:18
